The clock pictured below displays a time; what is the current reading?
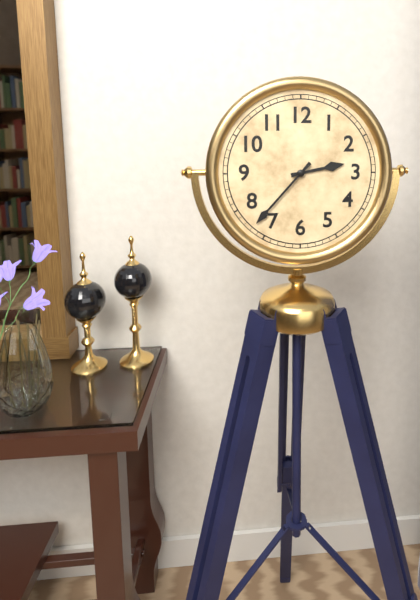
2:37
